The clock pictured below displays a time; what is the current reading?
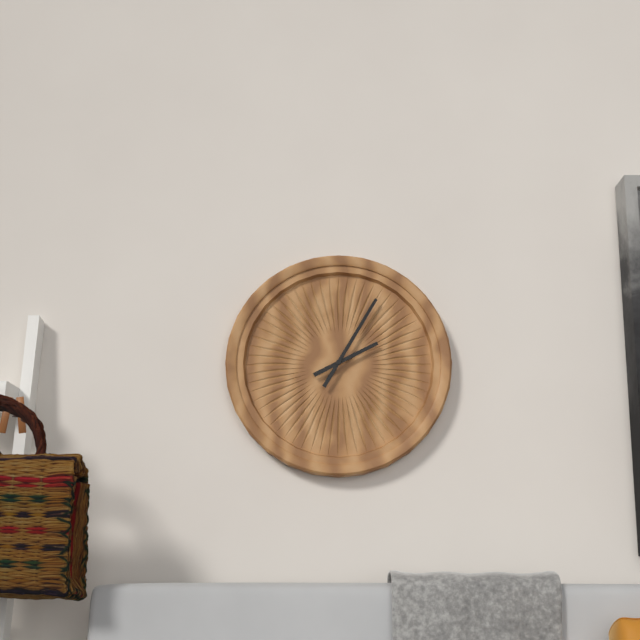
2:05
